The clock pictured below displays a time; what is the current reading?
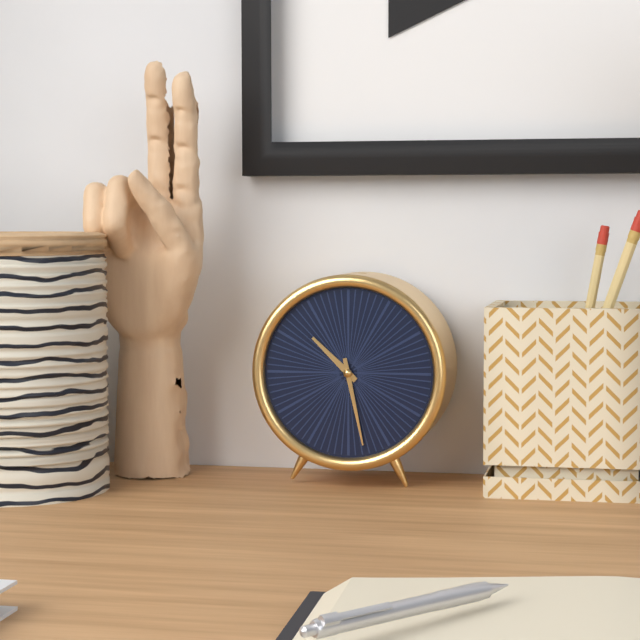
10:28
